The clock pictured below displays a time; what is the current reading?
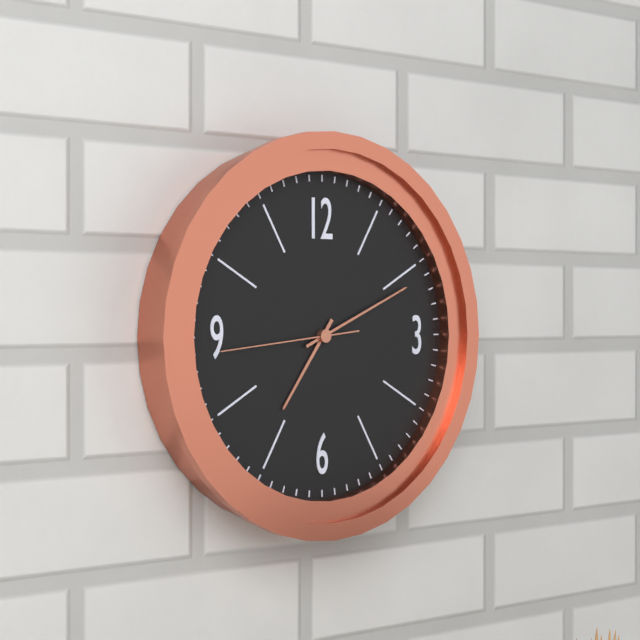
7:11:44
